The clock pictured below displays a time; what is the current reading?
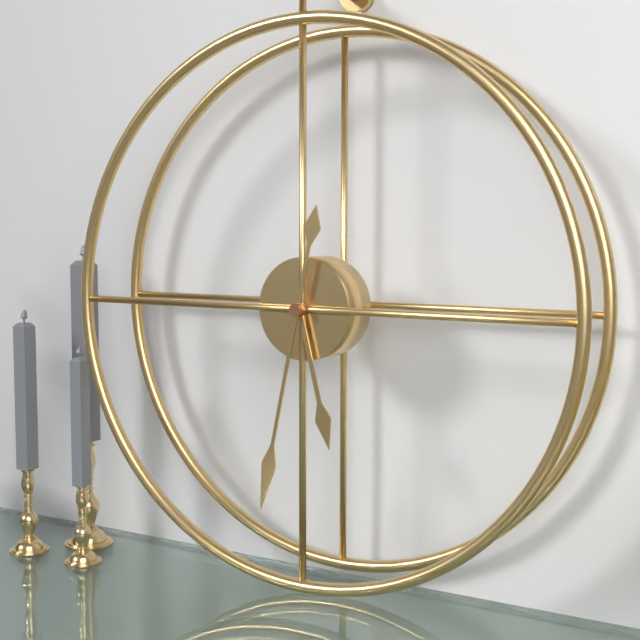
5:32
